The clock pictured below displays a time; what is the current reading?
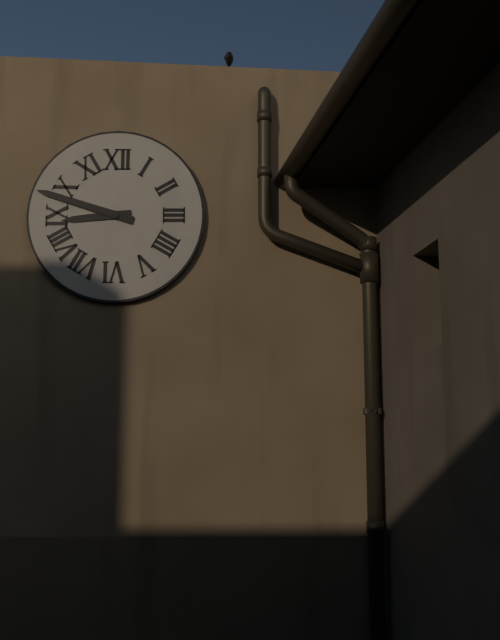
8:48
